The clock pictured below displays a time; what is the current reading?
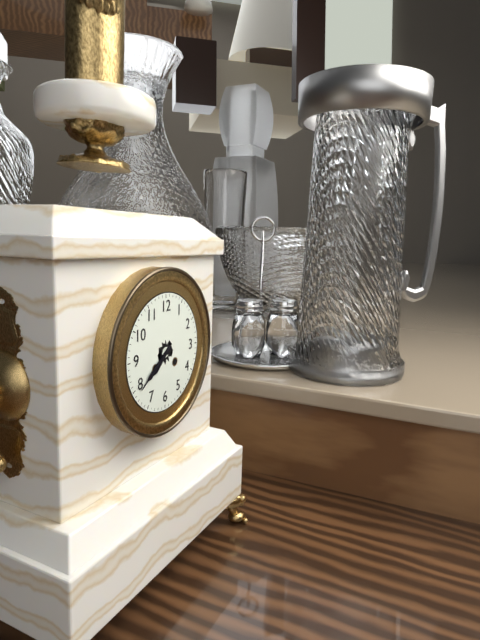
7:39
